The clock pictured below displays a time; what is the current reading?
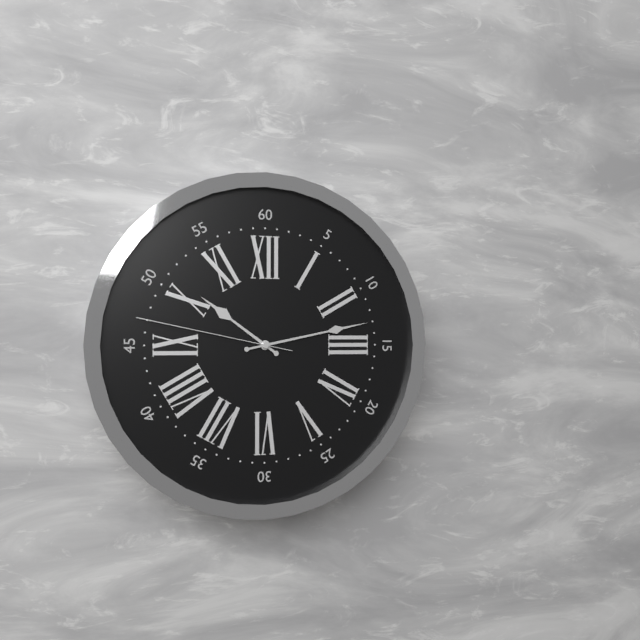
10:13:47
